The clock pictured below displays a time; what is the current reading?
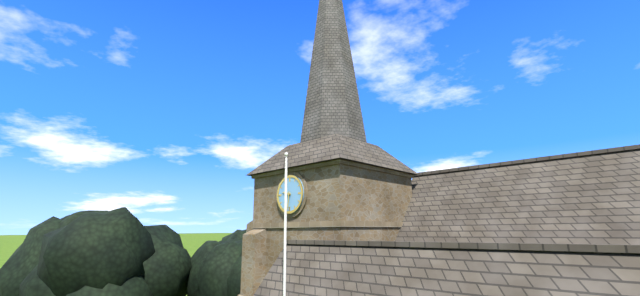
9:31
